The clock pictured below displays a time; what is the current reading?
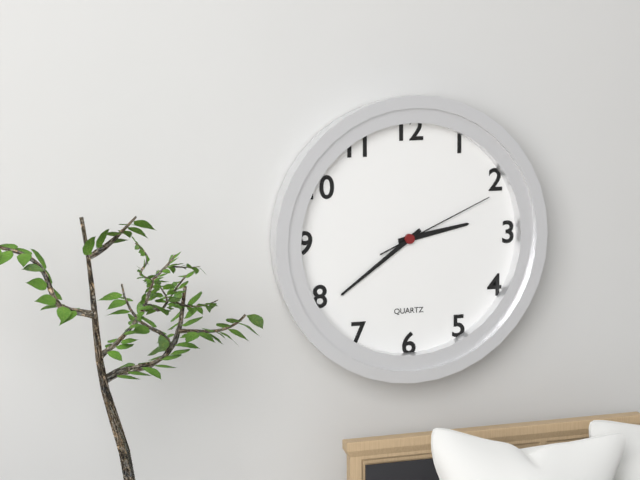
2:39:11
